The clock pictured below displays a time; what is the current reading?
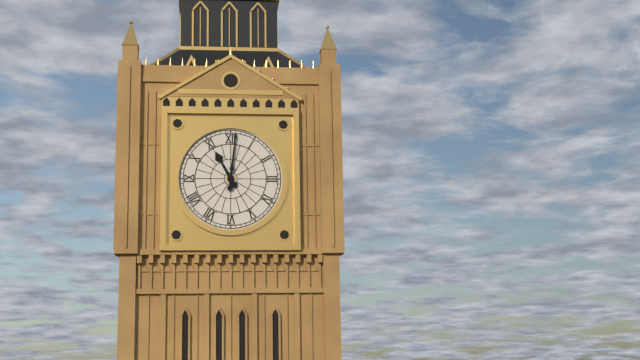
11:01
